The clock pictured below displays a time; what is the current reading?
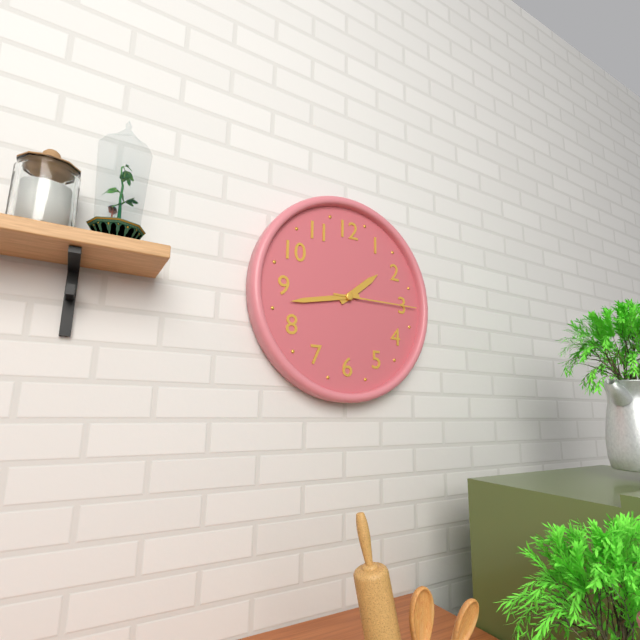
1:43:15
